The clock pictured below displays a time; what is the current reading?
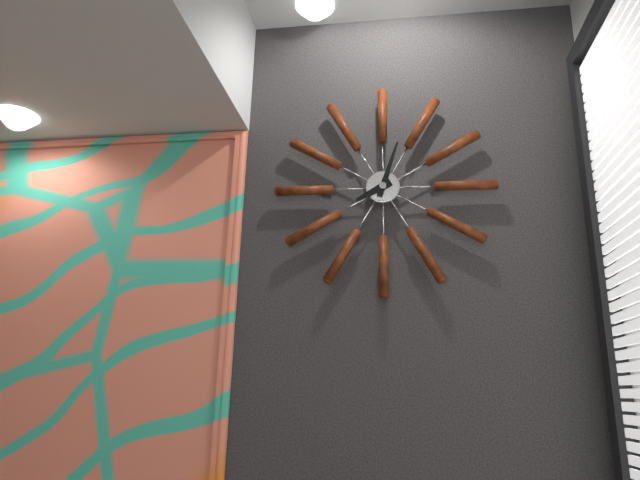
8:03
